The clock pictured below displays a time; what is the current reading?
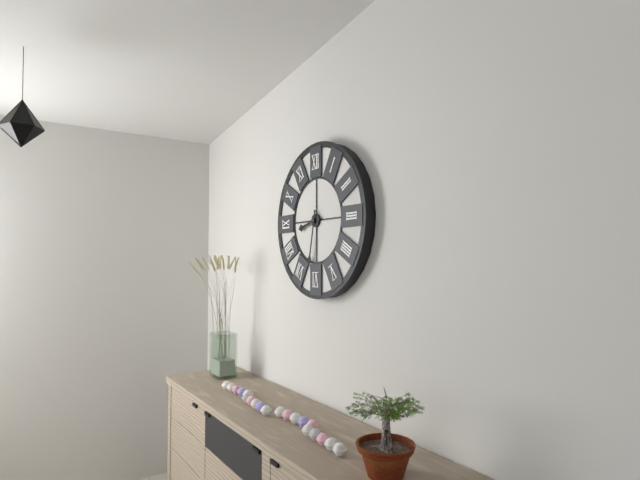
8:32
